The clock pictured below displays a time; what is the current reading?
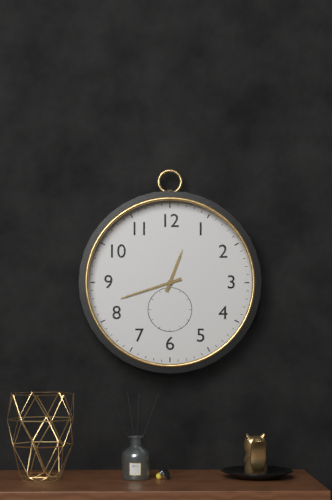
12:42
